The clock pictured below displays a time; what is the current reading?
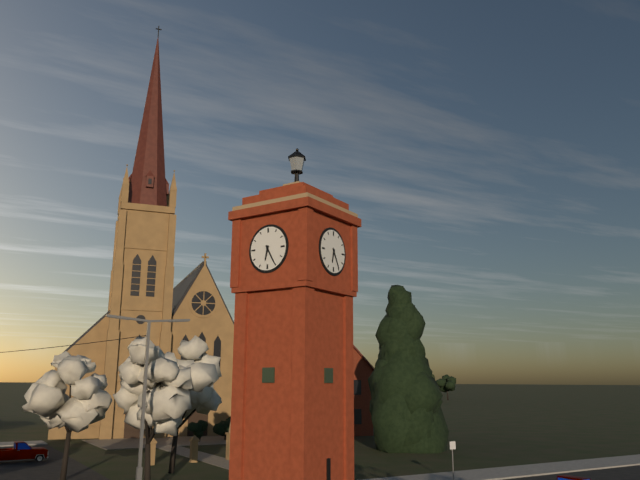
6:25
